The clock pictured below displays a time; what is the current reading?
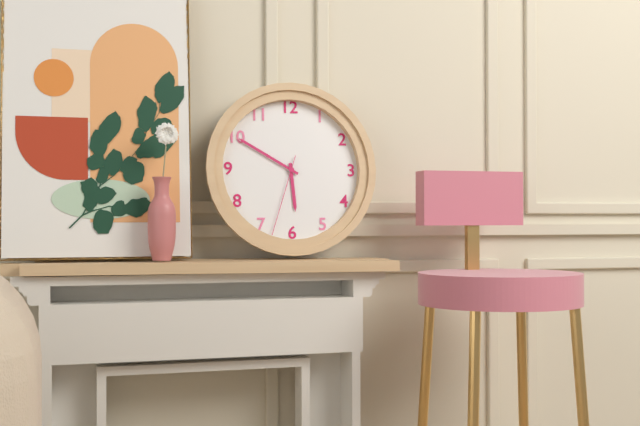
5:50:33
